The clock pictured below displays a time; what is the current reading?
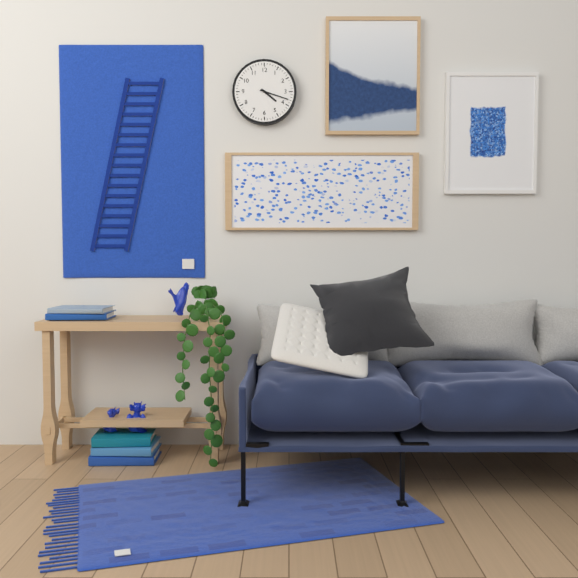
4:18
